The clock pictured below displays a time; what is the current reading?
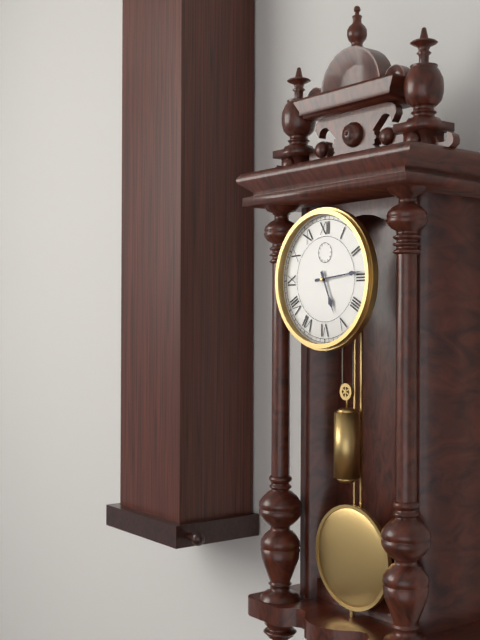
5:14
